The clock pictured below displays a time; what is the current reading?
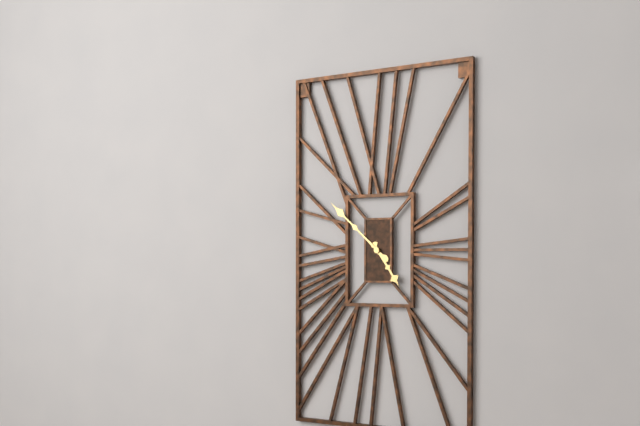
4:52
